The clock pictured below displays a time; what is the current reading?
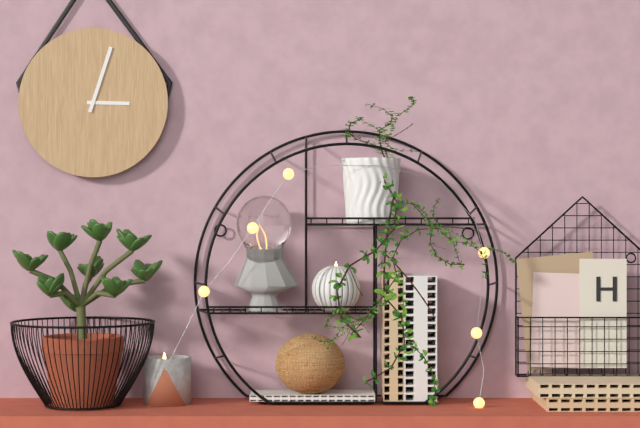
3:03
